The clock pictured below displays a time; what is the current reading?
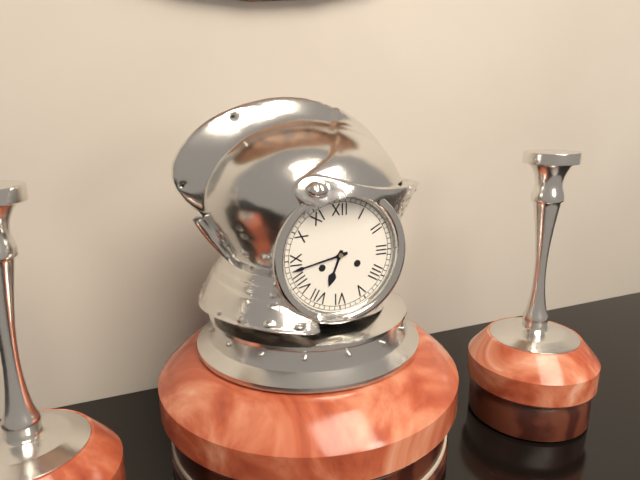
6:43
